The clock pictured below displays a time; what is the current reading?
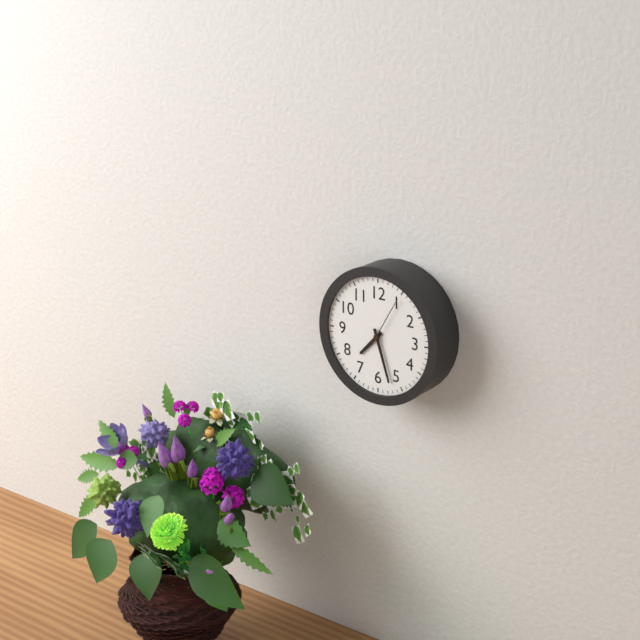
7:27:05
